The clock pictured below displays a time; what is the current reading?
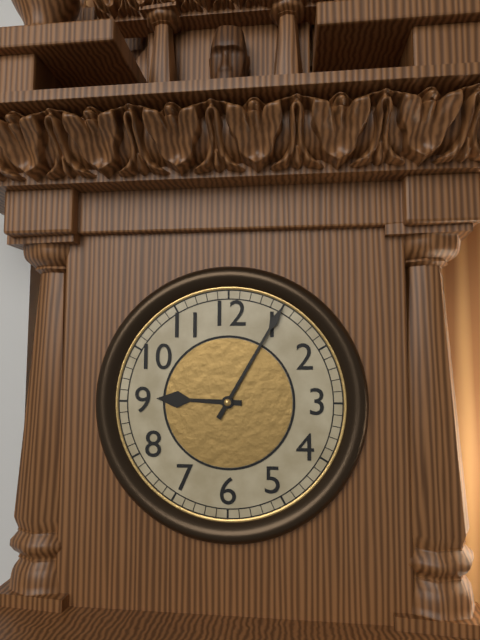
9:05
